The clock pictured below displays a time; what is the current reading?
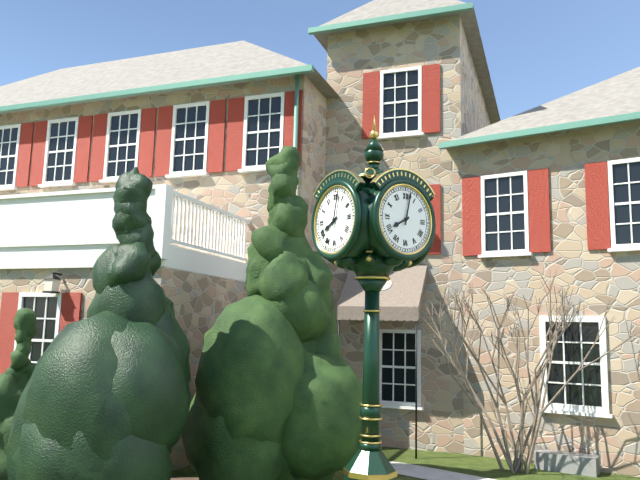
8:02
